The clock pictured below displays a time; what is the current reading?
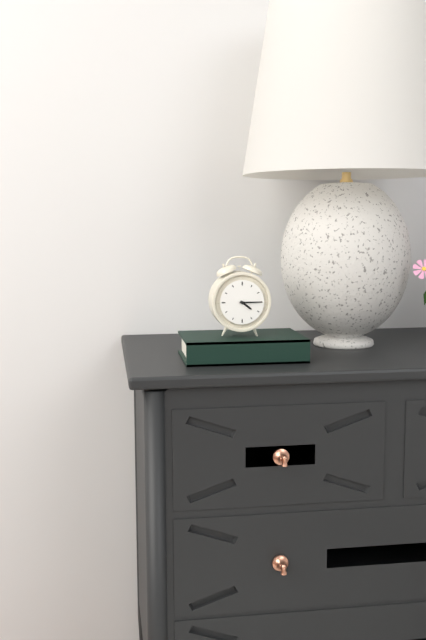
4:15
